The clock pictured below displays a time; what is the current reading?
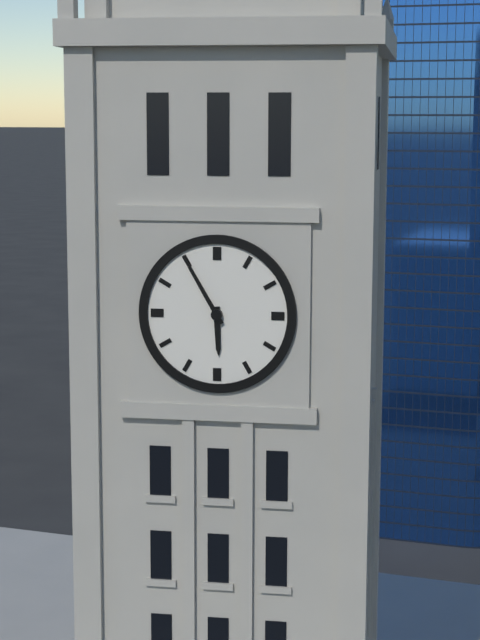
5:55
